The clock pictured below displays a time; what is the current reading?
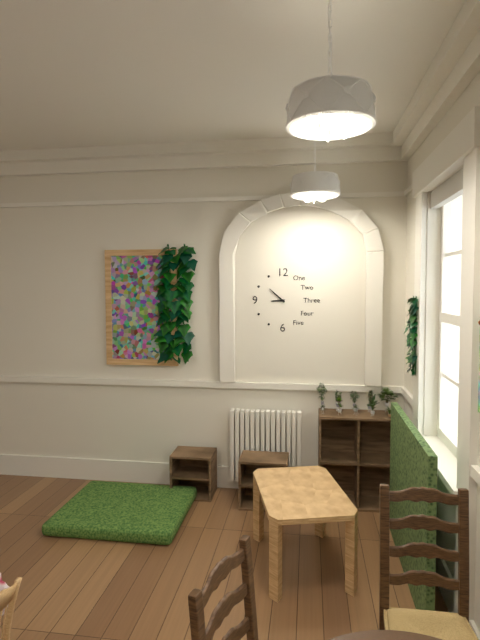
8:52
